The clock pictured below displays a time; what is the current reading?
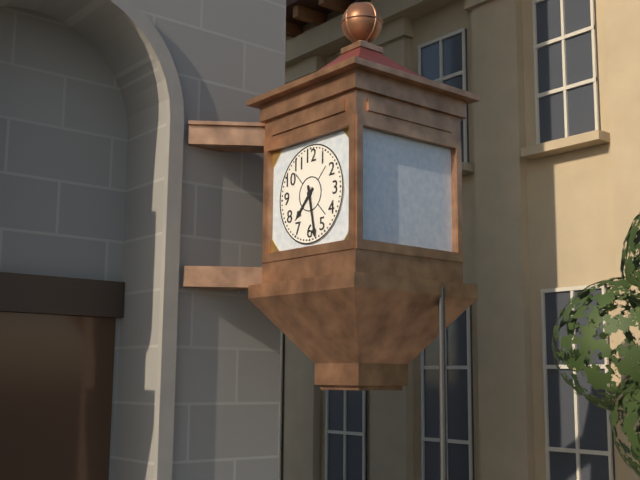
7:28
